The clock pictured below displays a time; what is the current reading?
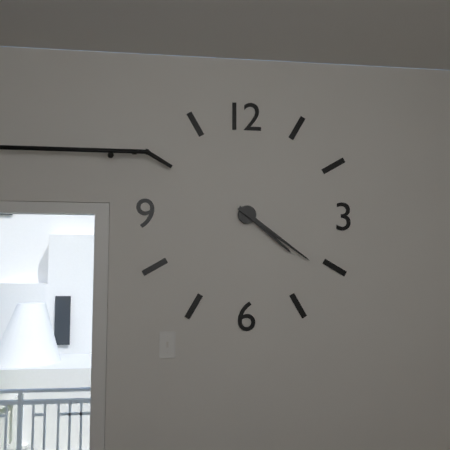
4:21
